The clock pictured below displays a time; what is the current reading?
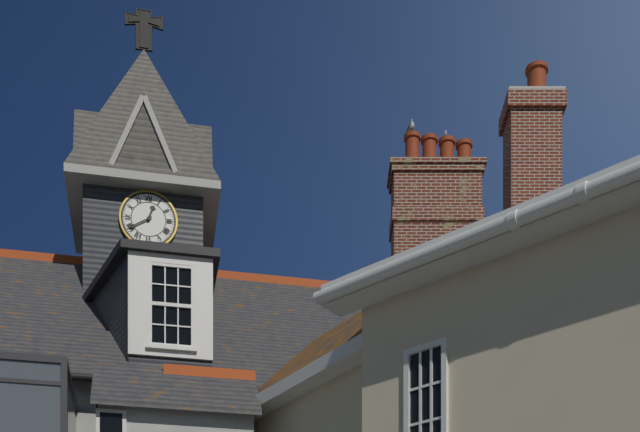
12:40
